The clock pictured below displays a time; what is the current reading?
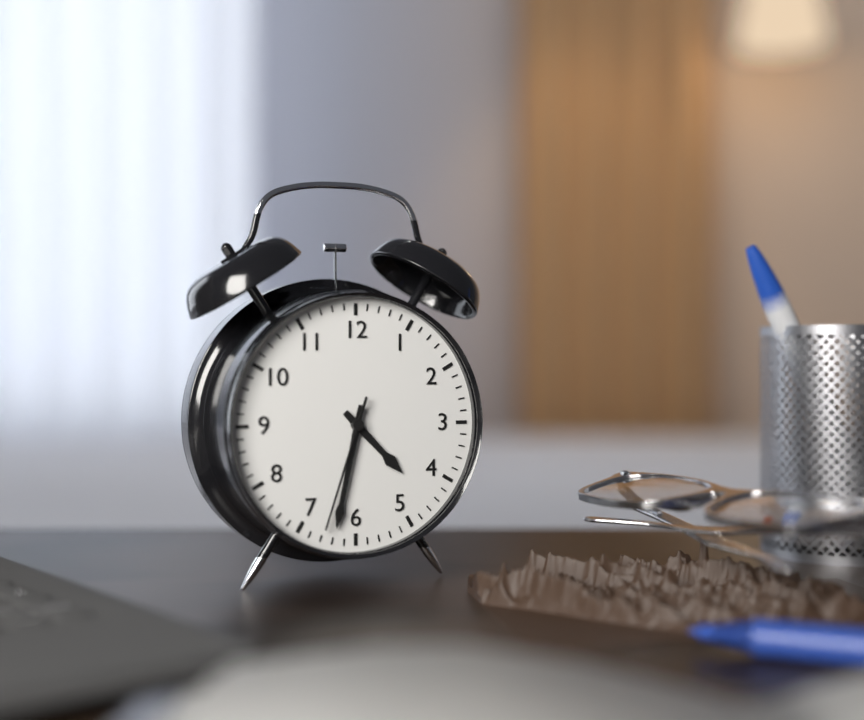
4:32:33
